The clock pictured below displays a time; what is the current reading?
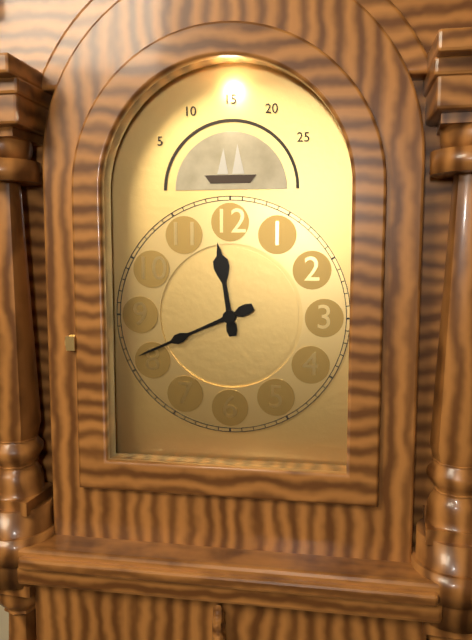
11:41
